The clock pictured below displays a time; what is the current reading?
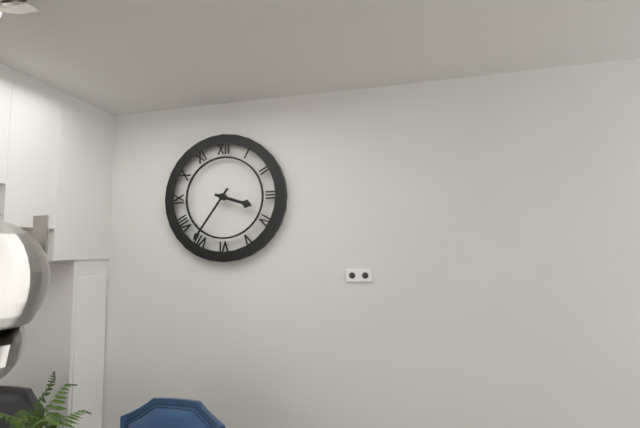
3:36
